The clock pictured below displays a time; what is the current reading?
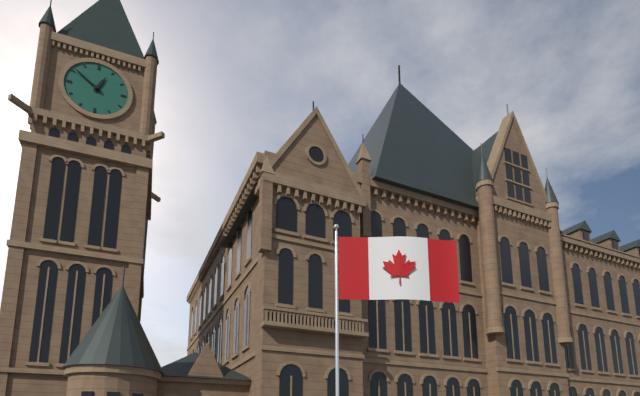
12:51
